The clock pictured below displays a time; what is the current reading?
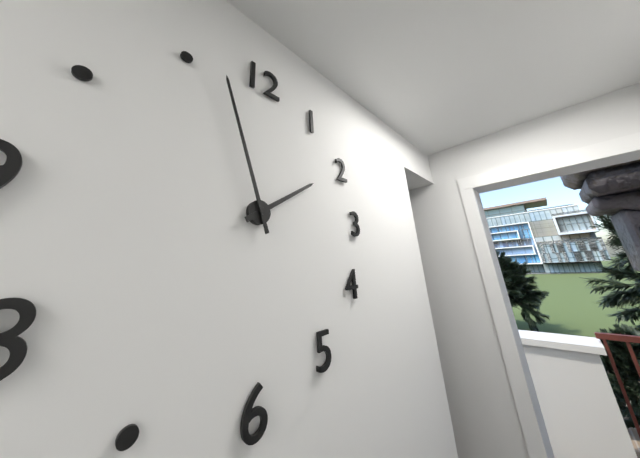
1:57
